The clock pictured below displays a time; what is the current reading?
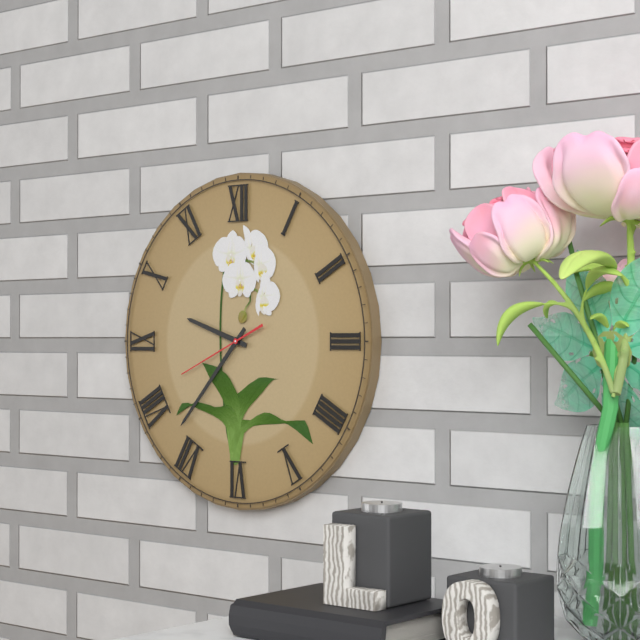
9:37:41
